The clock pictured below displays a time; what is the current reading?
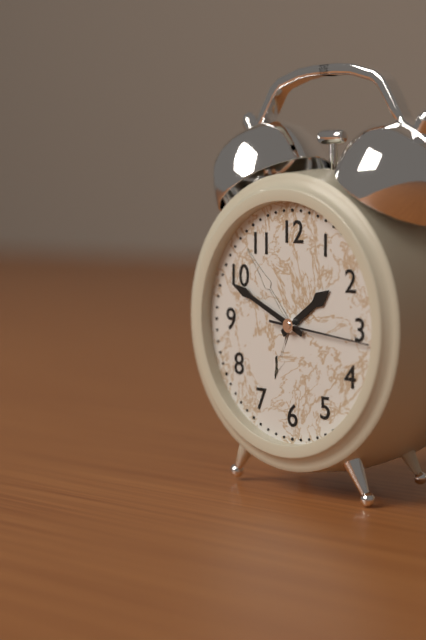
1:49:16
